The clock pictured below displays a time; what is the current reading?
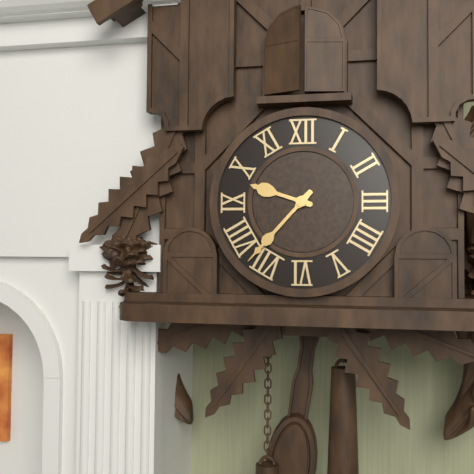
9:37
